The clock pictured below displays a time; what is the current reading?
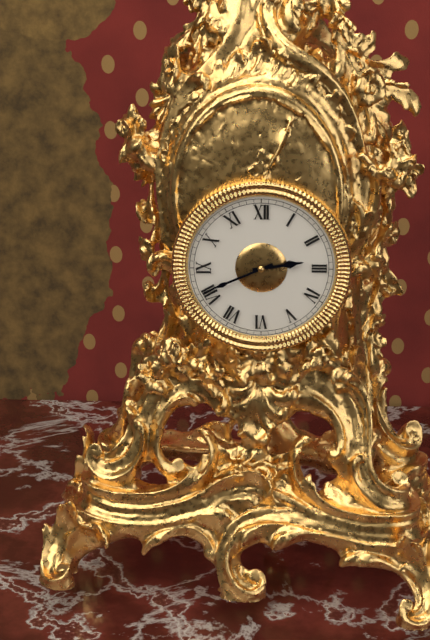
2:41
